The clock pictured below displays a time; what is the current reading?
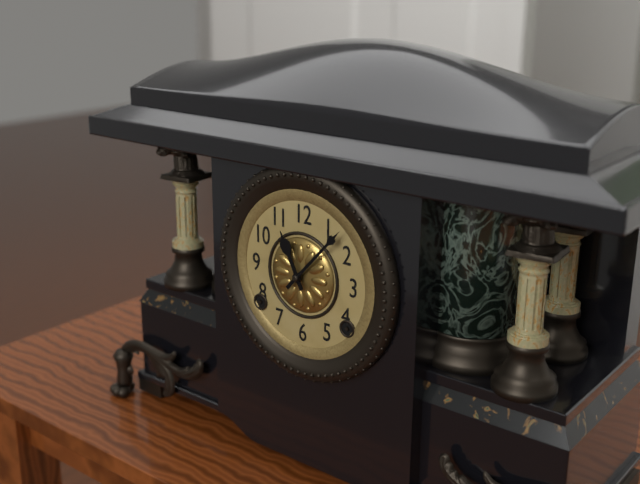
11:07
